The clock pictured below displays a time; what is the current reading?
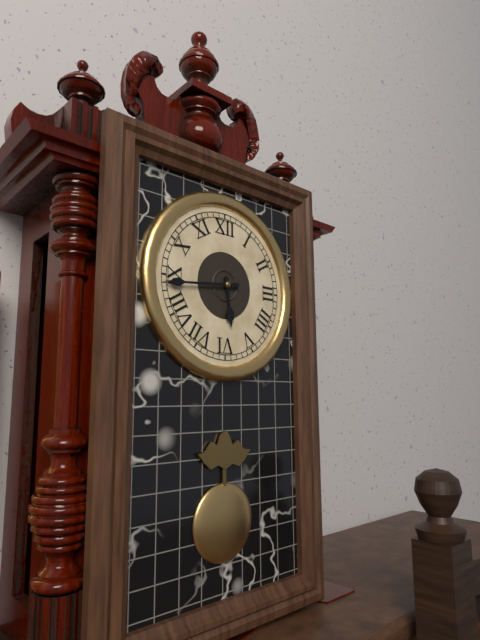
5:44
